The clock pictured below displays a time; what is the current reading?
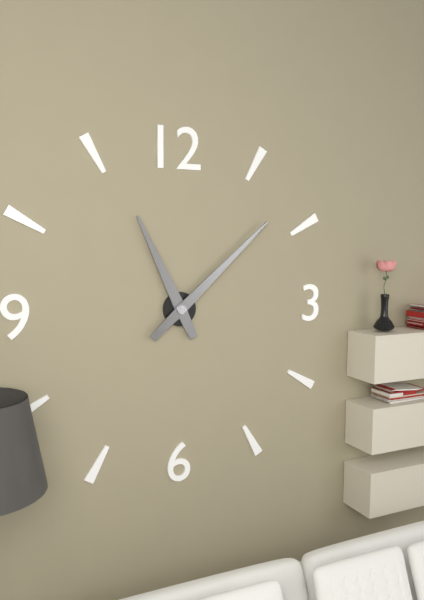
11:08
